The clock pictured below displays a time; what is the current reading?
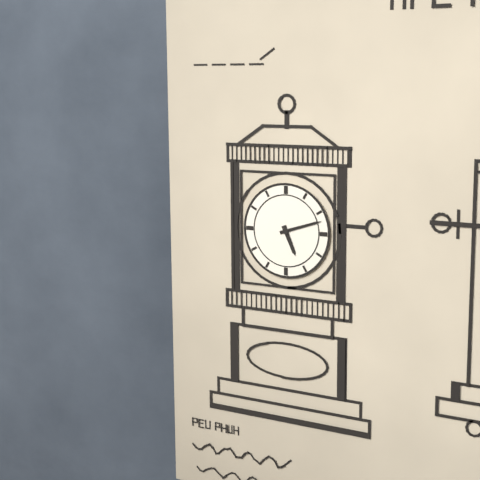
5:12
